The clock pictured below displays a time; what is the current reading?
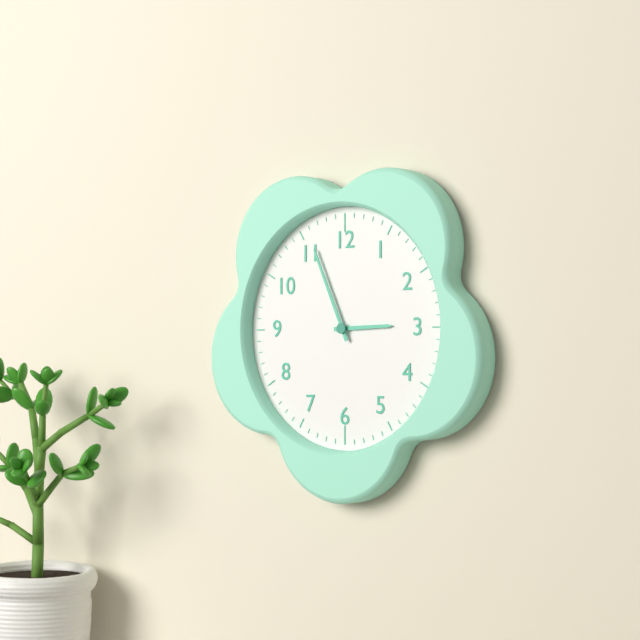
2:56
